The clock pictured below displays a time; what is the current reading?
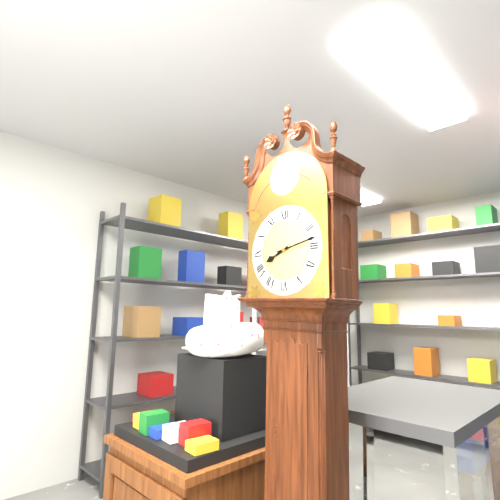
8:13
